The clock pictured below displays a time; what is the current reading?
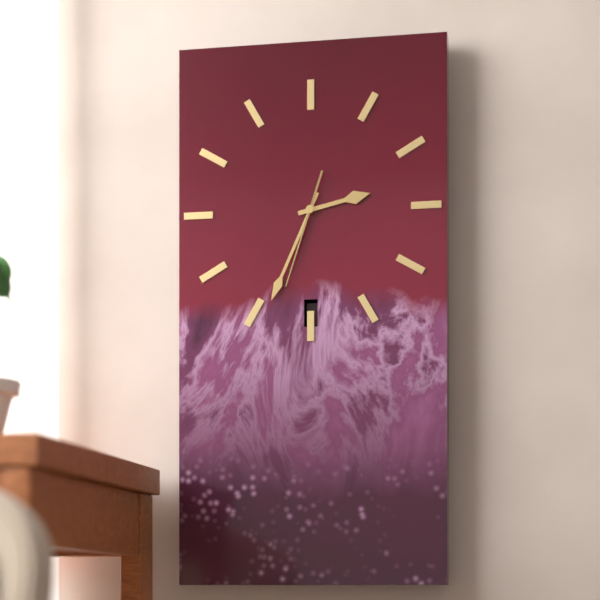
2:34:33
